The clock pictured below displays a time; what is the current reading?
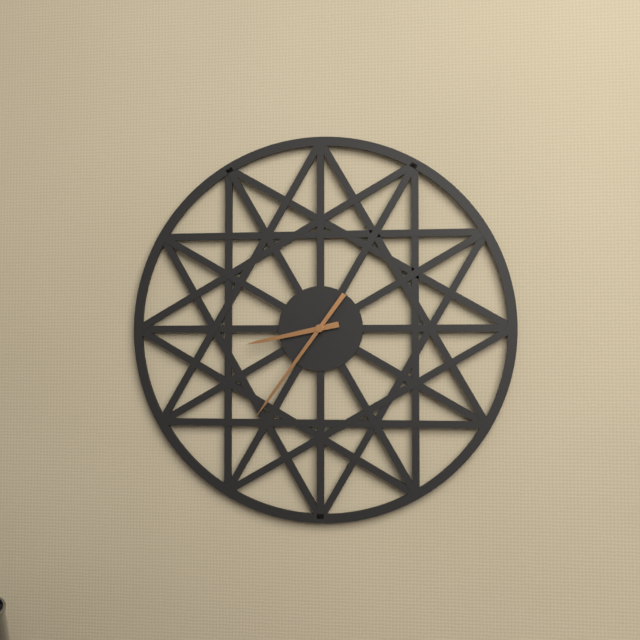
8:36
